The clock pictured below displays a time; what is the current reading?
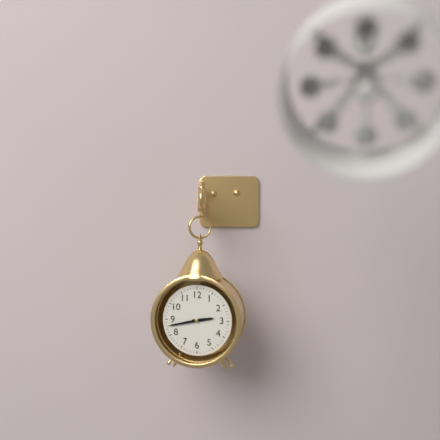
2:43
